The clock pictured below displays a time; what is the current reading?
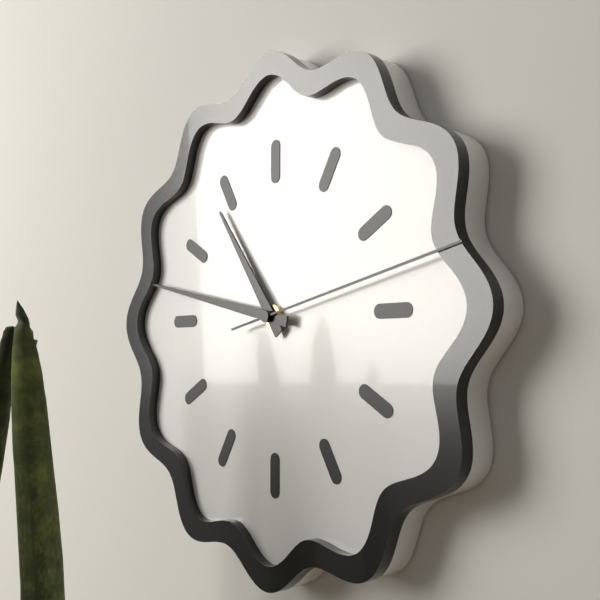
10:47:13
